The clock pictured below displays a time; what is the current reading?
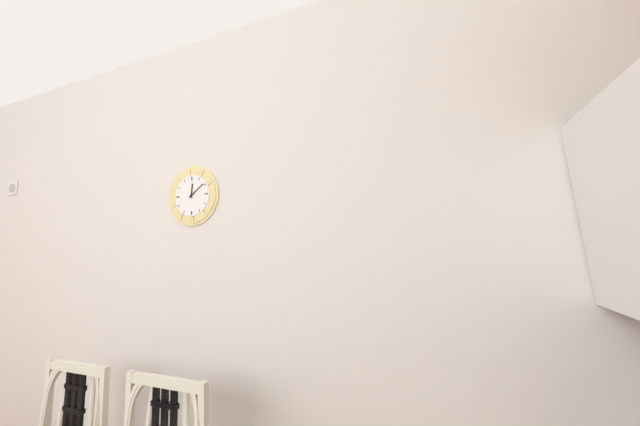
12:09
